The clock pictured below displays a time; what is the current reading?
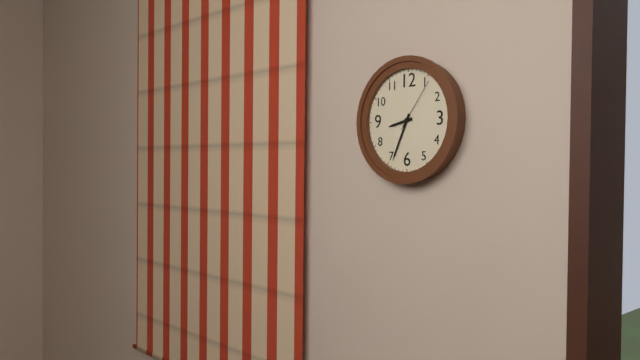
8:34:06
